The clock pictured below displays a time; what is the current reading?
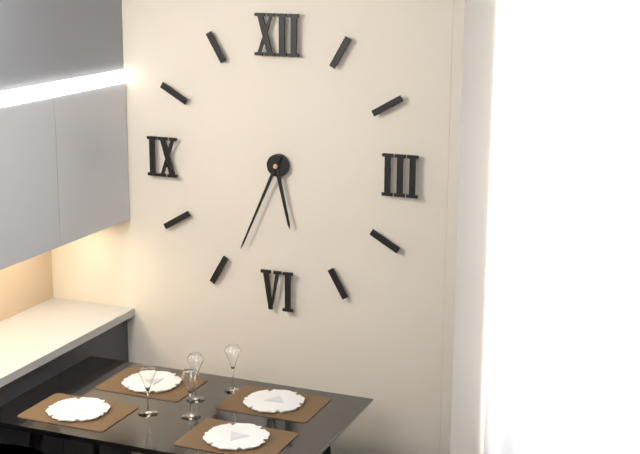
5:34
